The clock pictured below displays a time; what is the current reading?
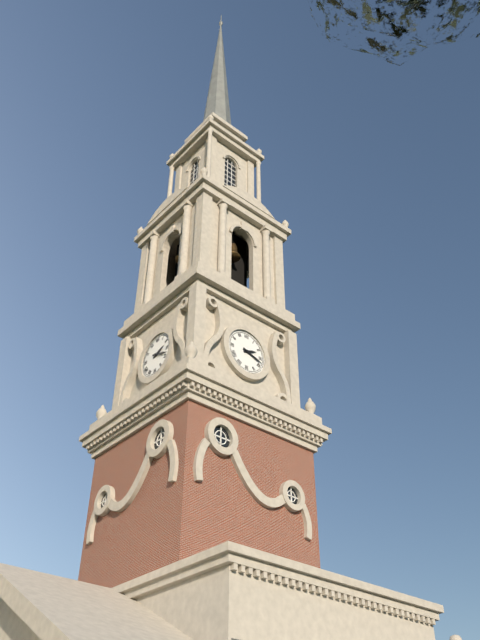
2:18
